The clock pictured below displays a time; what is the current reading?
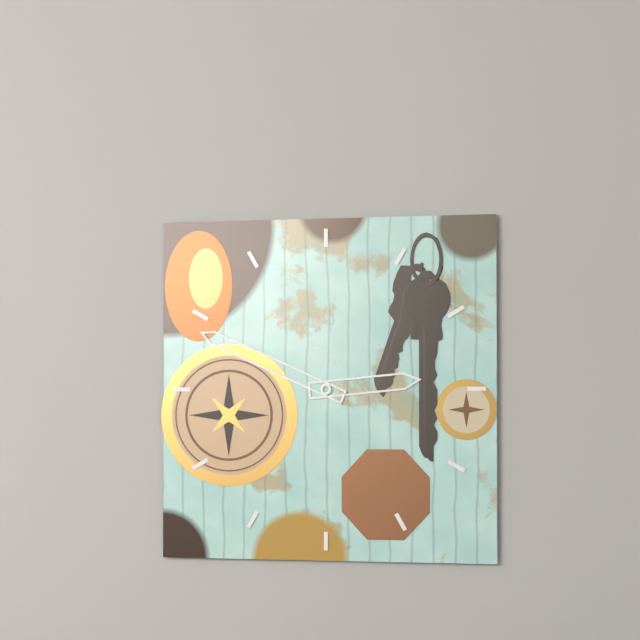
2:49
